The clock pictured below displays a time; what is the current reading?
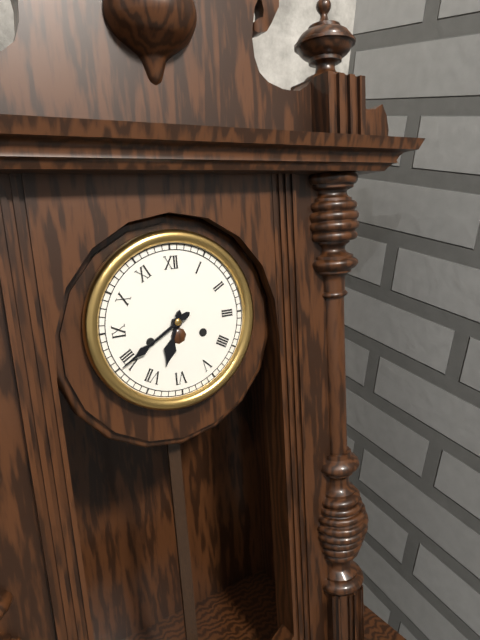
6:40
